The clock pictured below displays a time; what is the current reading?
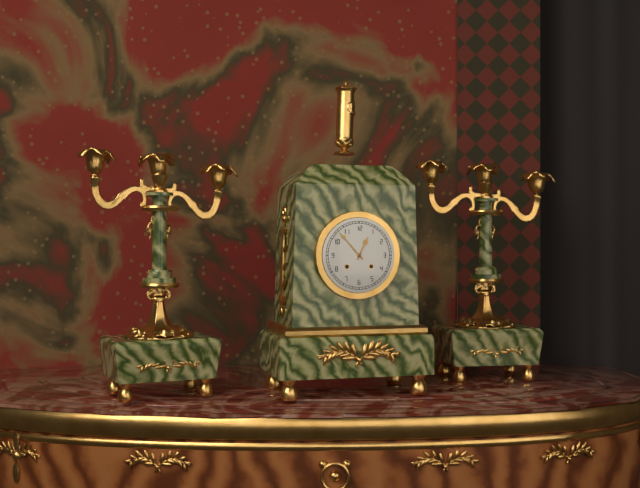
12:53
